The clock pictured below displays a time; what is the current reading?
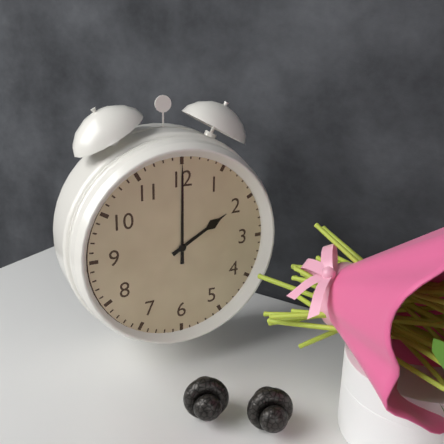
2:00
